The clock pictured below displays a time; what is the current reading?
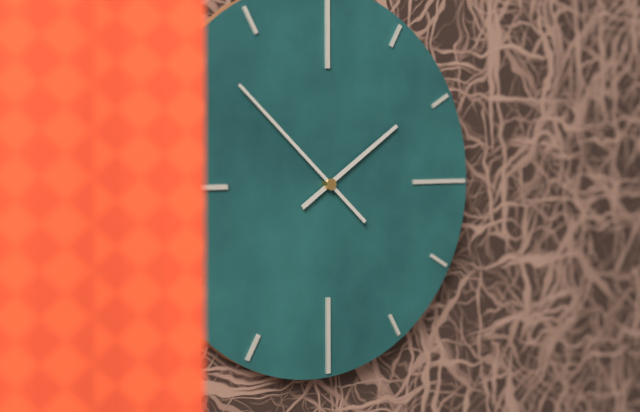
1:52
